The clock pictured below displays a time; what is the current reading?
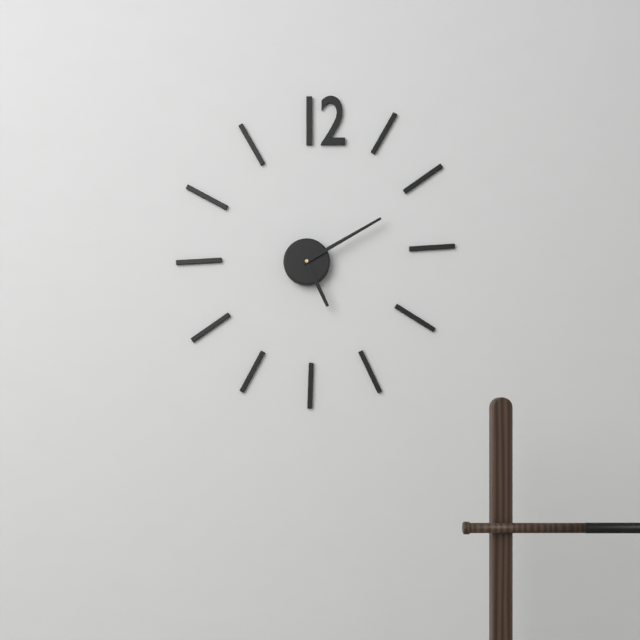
5:10
